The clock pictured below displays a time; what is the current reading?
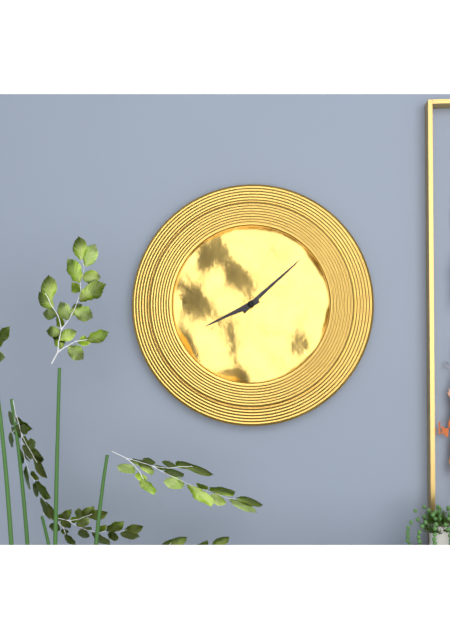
8:08
